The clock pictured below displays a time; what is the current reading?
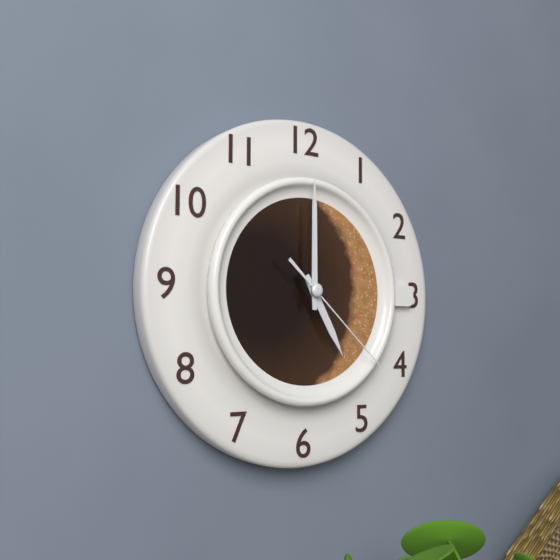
5:00:22
